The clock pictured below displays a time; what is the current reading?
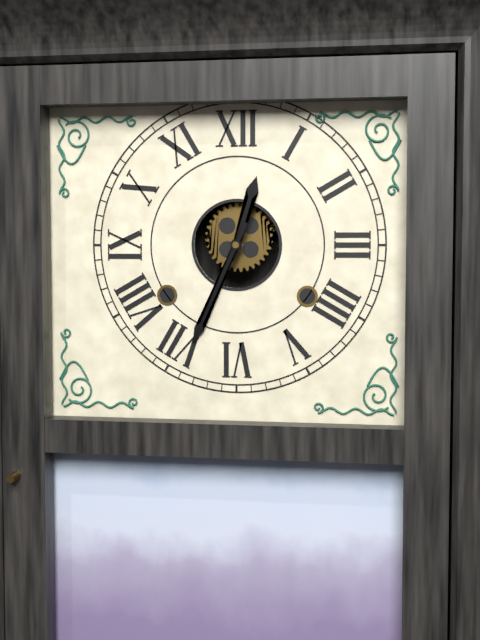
12:34
